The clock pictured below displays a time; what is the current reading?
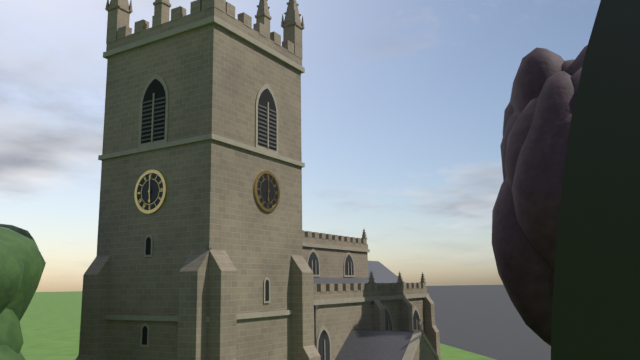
6:00
